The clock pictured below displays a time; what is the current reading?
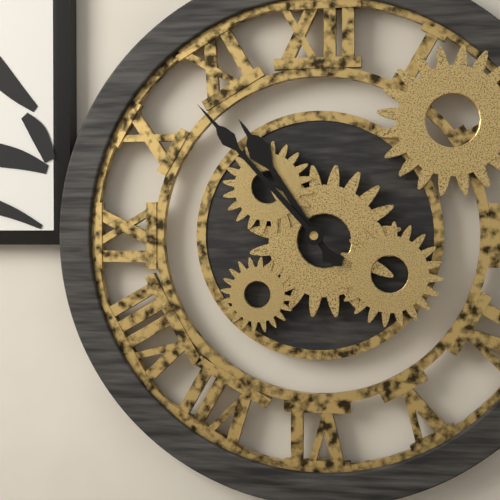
10:53
